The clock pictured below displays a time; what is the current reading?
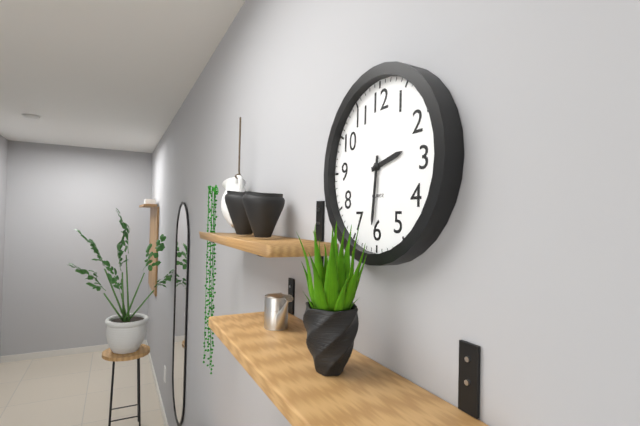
2:31
